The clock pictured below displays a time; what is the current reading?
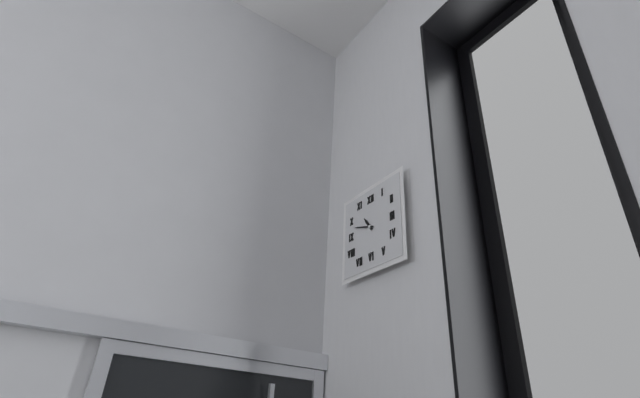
10:48
